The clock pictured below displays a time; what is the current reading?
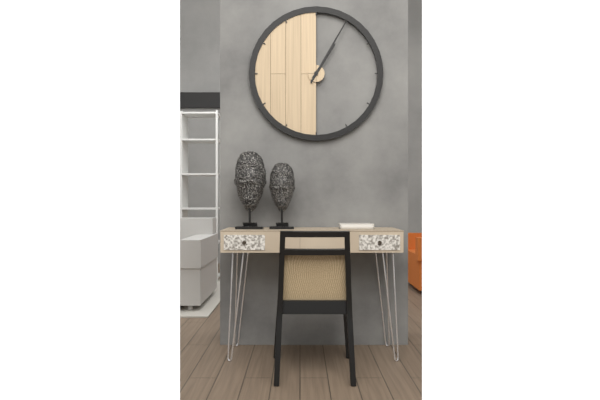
1:05
